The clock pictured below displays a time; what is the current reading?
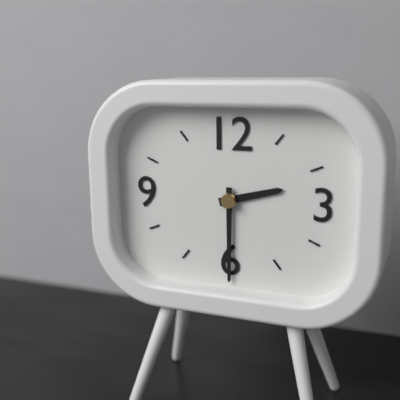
2:30
